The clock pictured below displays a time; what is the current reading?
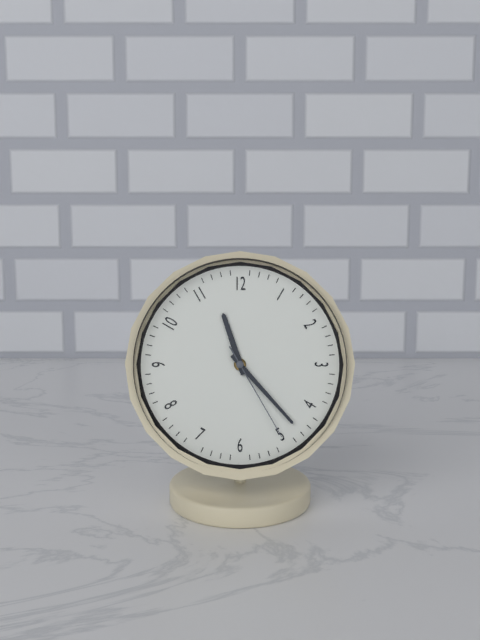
11:23:25
